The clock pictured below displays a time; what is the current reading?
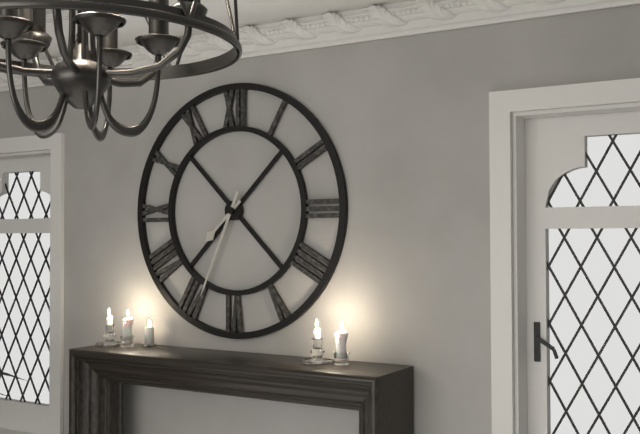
7:34
